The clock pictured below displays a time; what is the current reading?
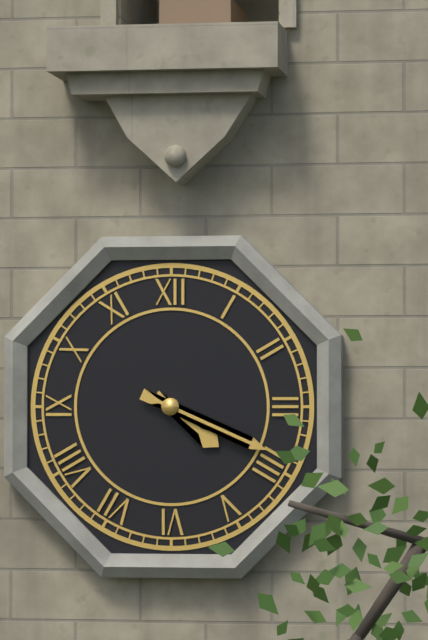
4:19
